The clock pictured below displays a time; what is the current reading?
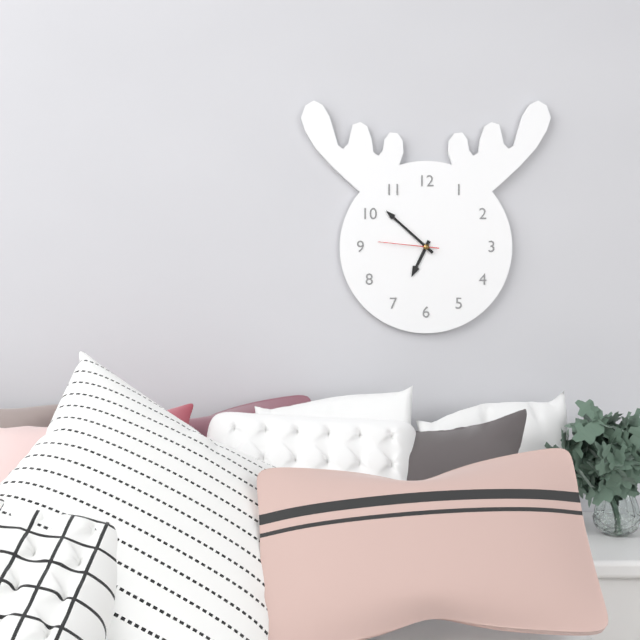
6:52:46
